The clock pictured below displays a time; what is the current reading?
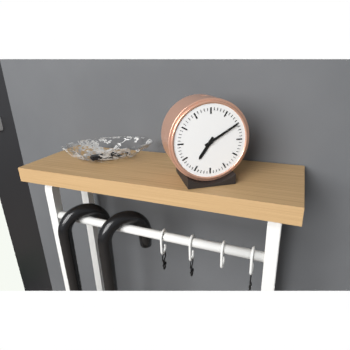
7:10
